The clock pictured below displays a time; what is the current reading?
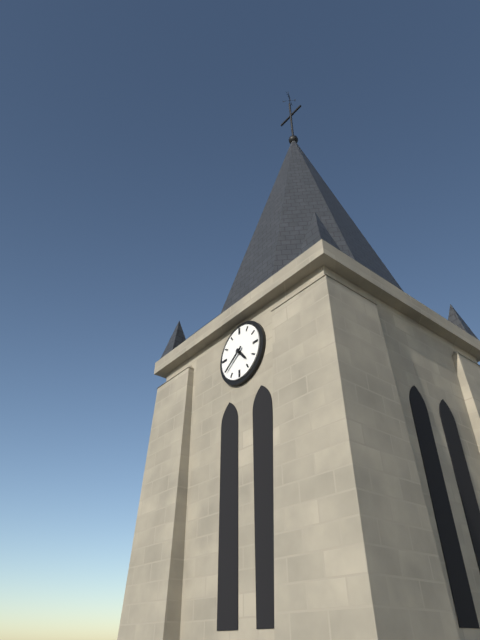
4:39
